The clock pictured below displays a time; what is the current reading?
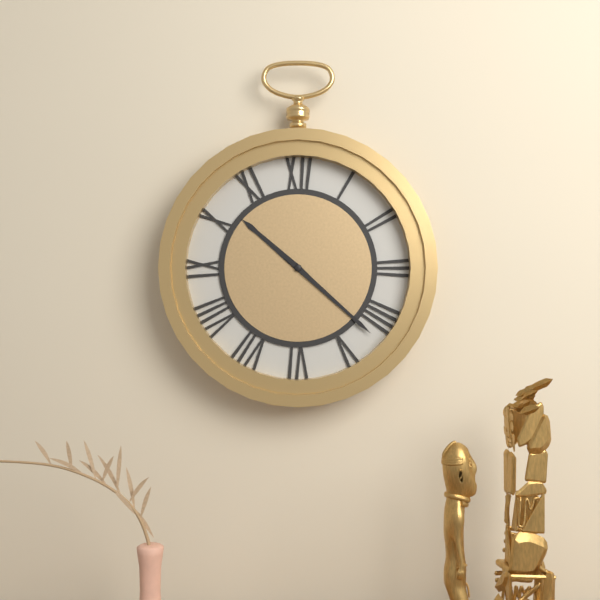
10:22
